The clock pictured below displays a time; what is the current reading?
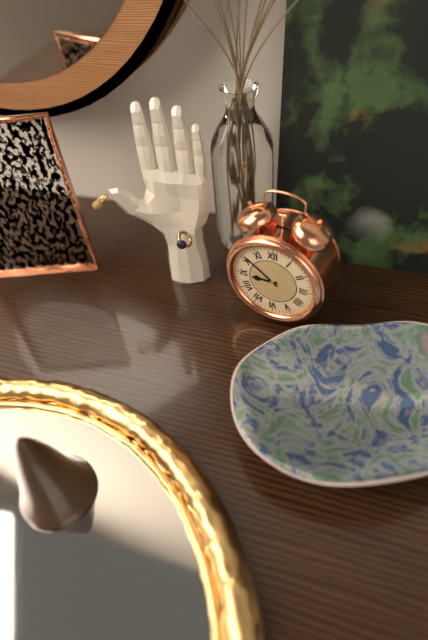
8:51
